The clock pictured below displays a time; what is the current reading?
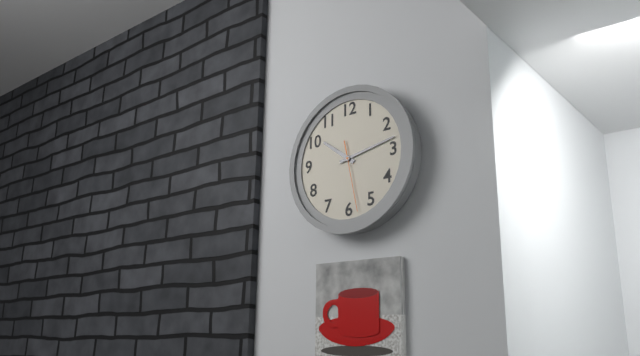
10:13:28
